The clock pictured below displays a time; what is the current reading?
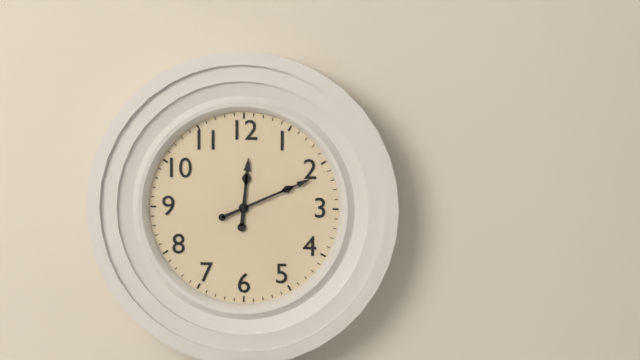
12:11
